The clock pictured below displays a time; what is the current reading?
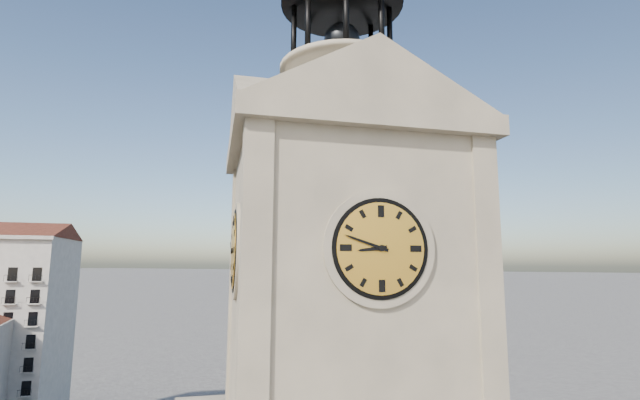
8:48
